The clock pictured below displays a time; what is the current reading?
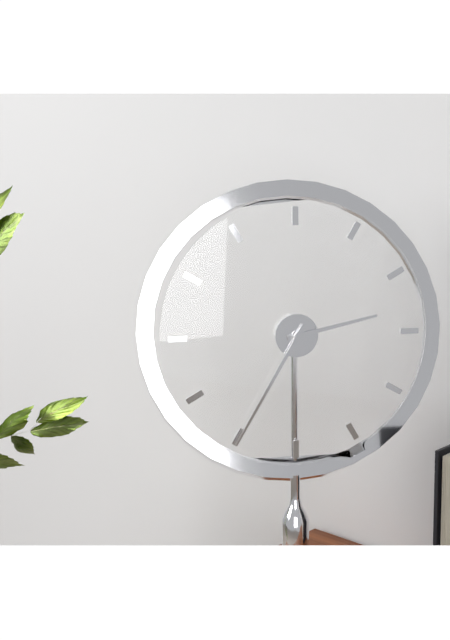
2:35
